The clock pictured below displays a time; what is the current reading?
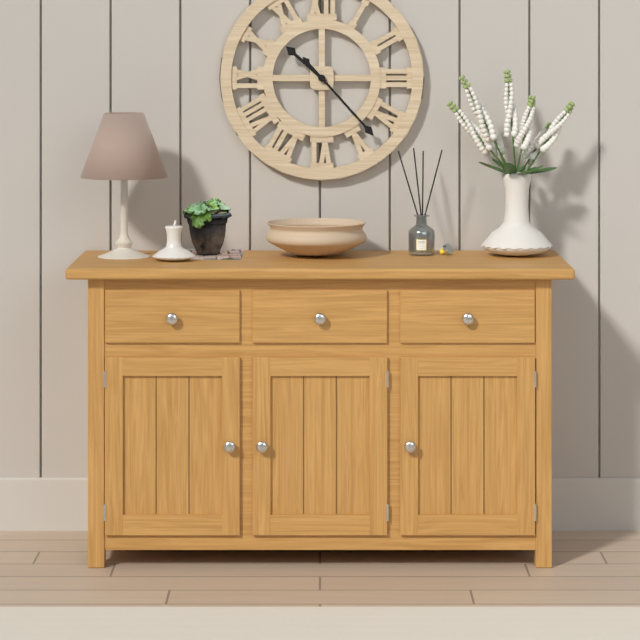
10:23
